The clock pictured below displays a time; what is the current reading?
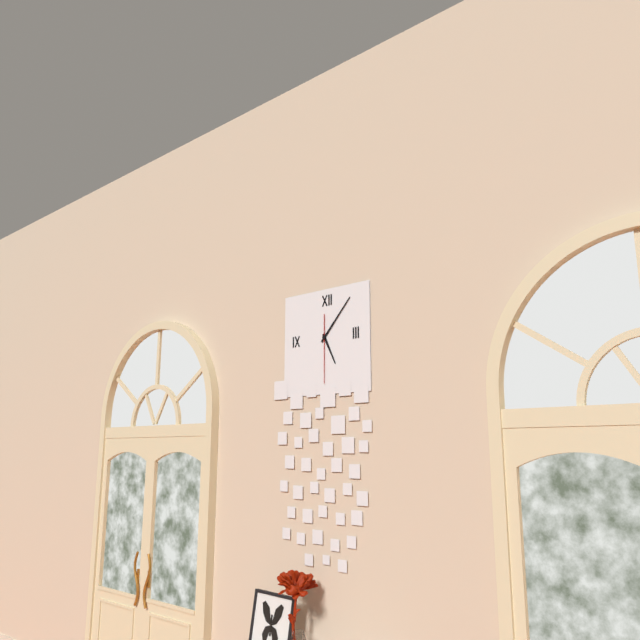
5:07:30
